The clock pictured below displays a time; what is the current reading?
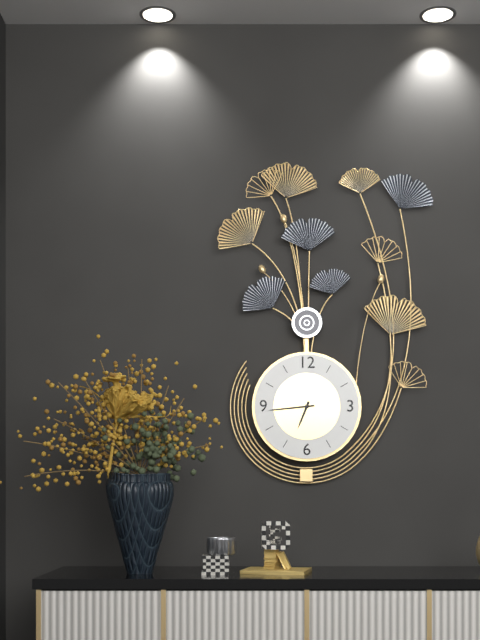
6:44
